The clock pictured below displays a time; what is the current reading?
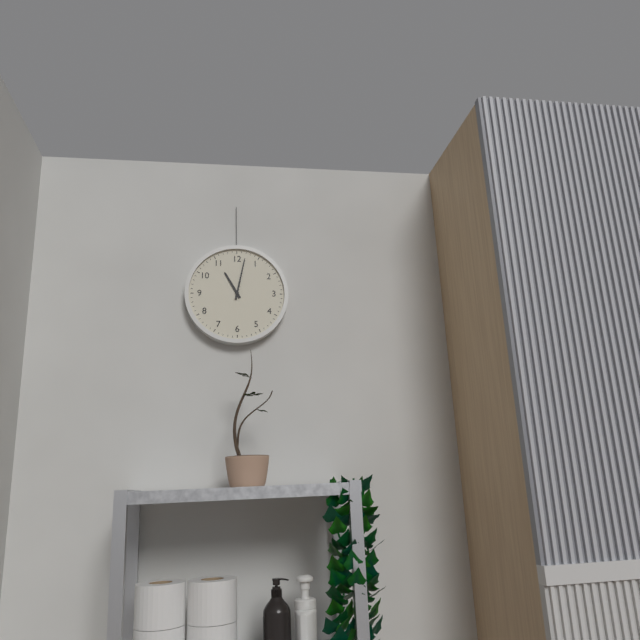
11:02
